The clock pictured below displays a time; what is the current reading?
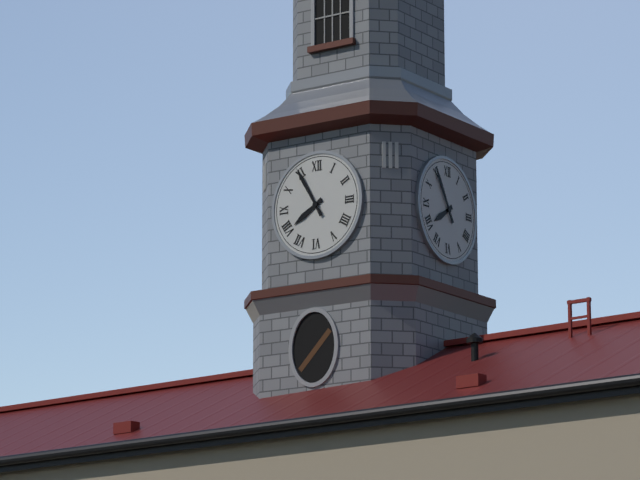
7:55
